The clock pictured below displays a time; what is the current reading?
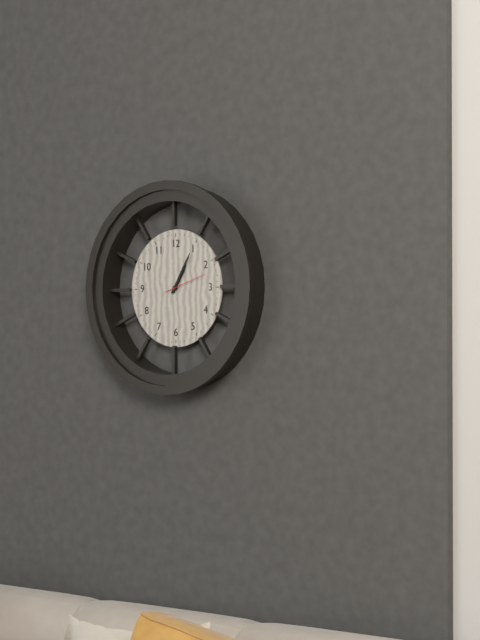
1:05
